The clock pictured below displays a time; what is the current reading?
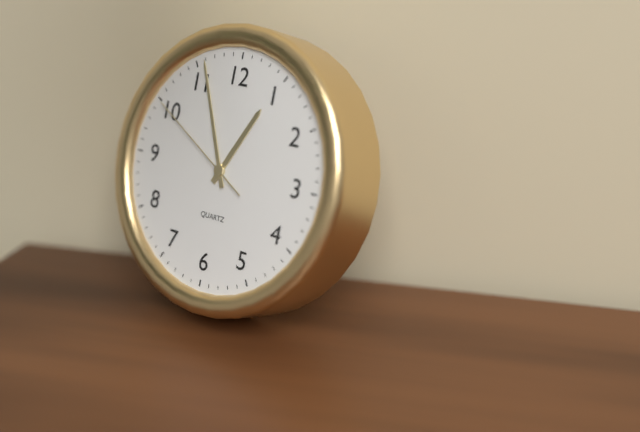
12:56:50
